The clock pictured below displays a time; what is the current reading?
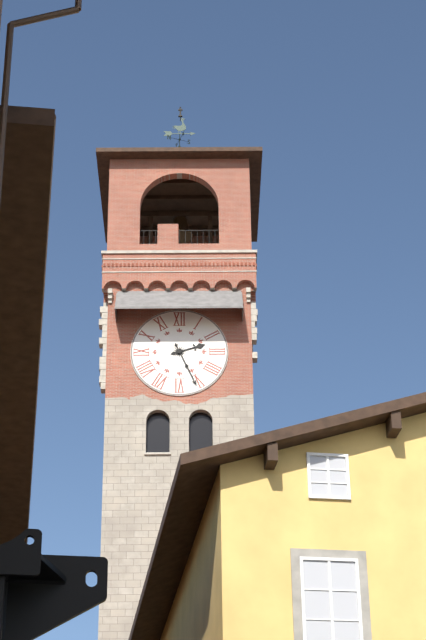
2:26
